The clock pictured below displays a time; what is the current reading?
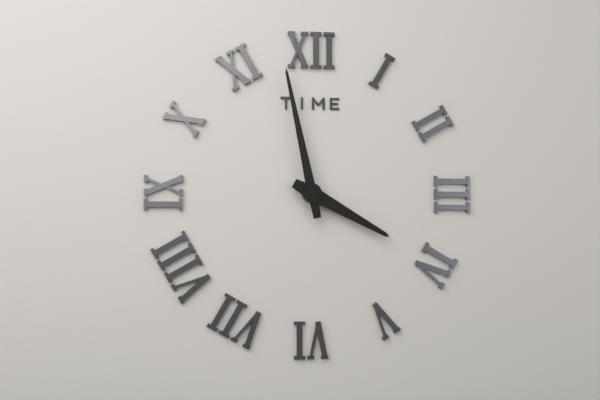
3:58
